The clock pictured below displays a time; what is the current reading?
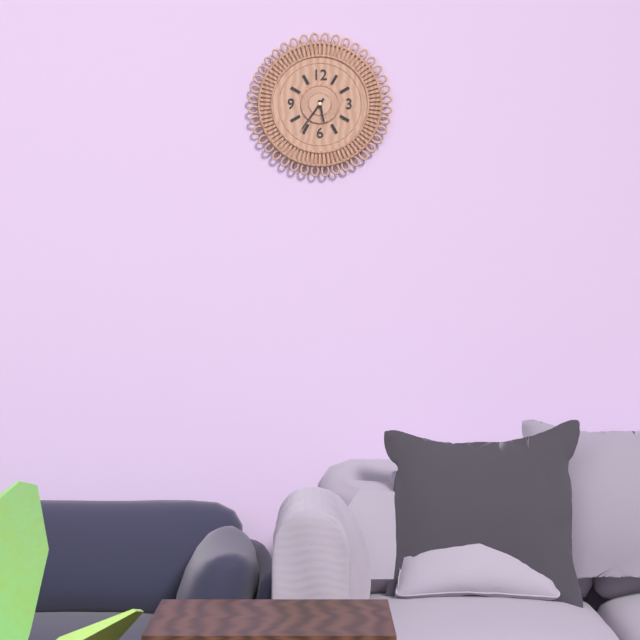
5:36
